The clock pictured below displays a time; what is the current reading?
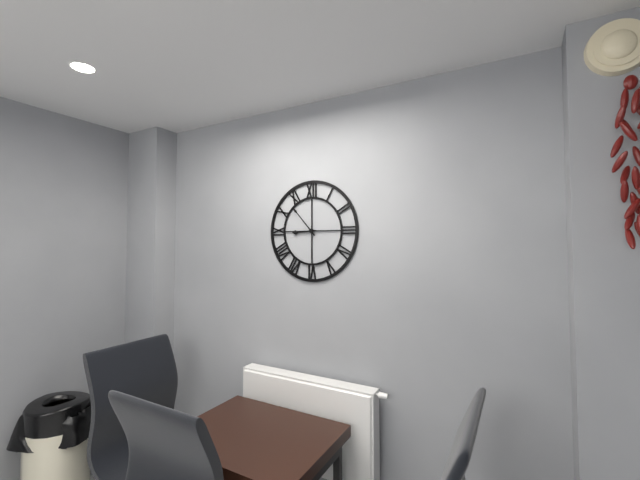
8:53
